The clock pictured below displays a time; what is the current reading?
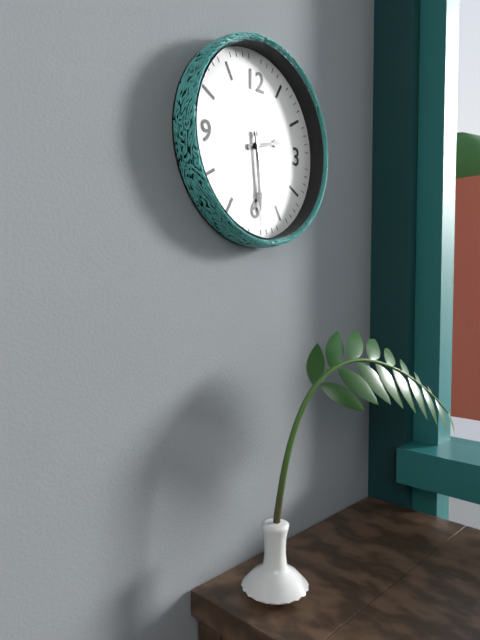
2:29:28
